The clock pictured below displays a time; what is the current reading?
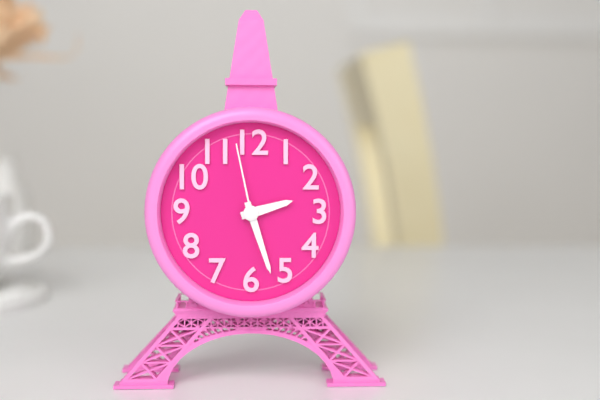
2:27:58
